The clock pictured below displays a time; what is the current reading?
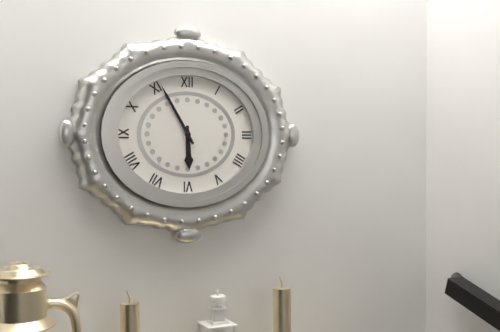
5:55
